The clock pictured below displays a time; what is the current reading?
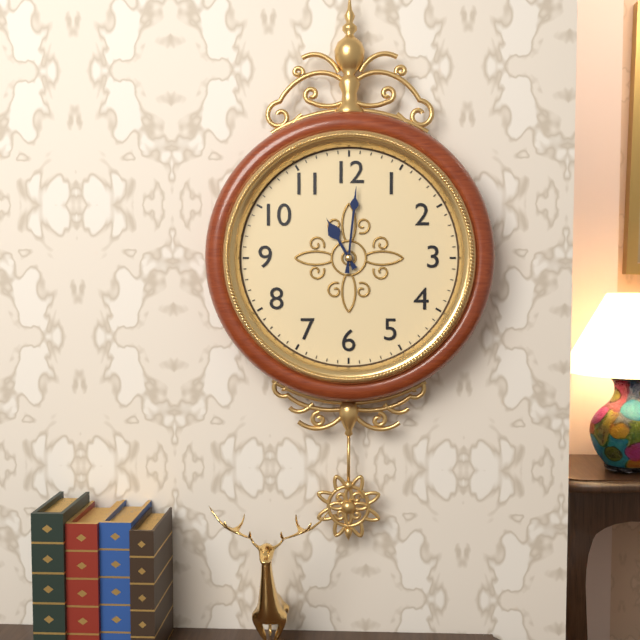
11:01
